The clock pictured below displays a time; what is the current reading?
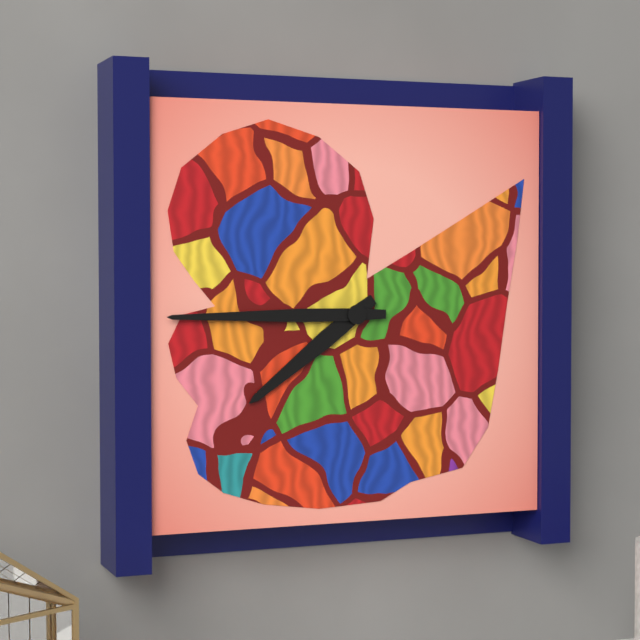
7:45
